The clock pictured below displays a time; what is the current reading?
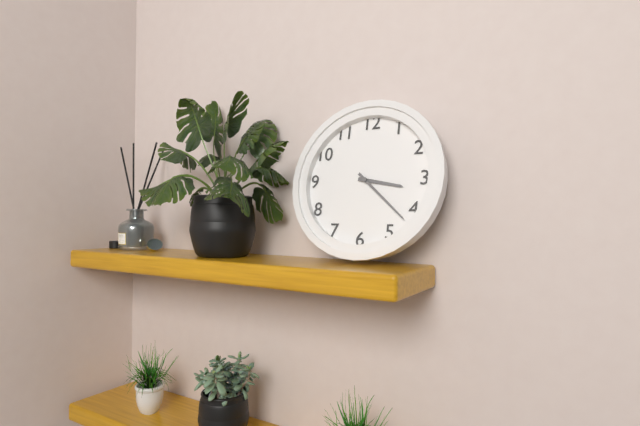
3:22
